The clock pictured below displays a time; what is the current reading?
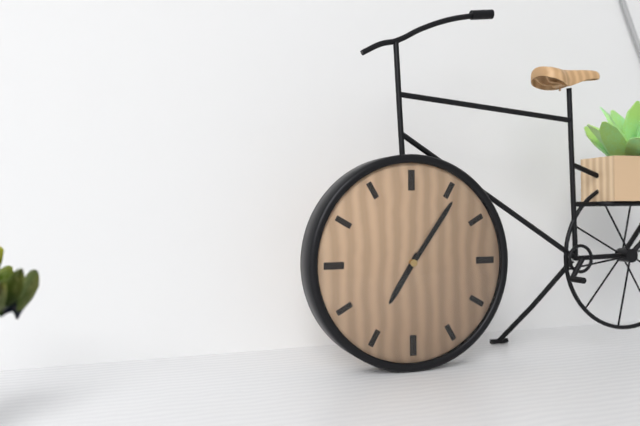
7:06
